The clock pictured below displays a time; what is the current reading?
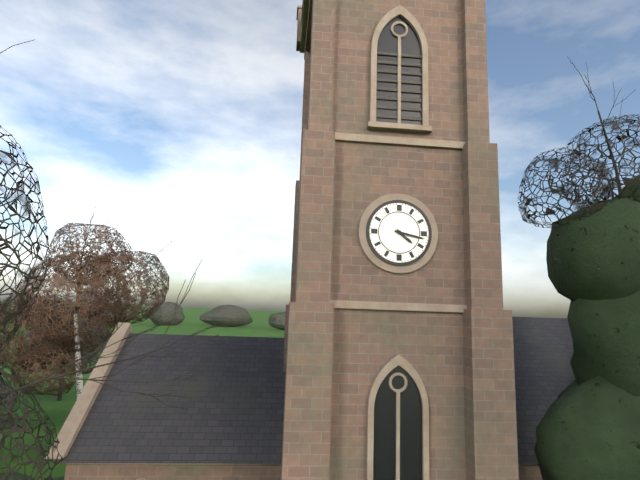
4:17
